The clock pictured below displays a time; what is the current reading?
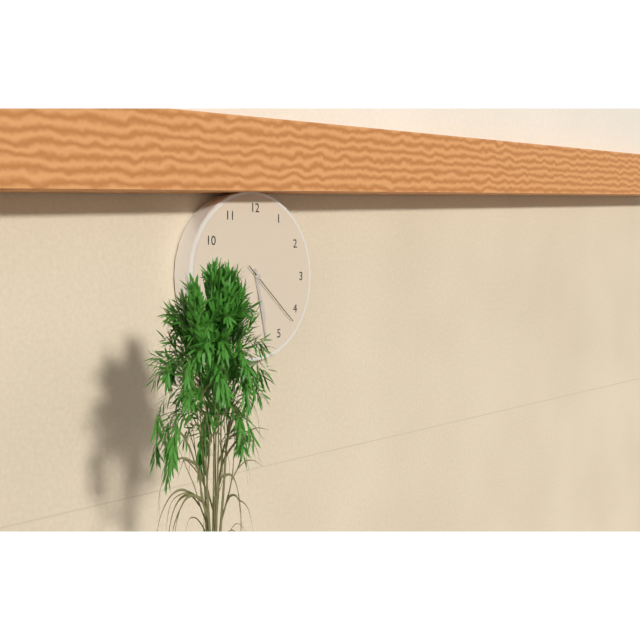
5:28:22
